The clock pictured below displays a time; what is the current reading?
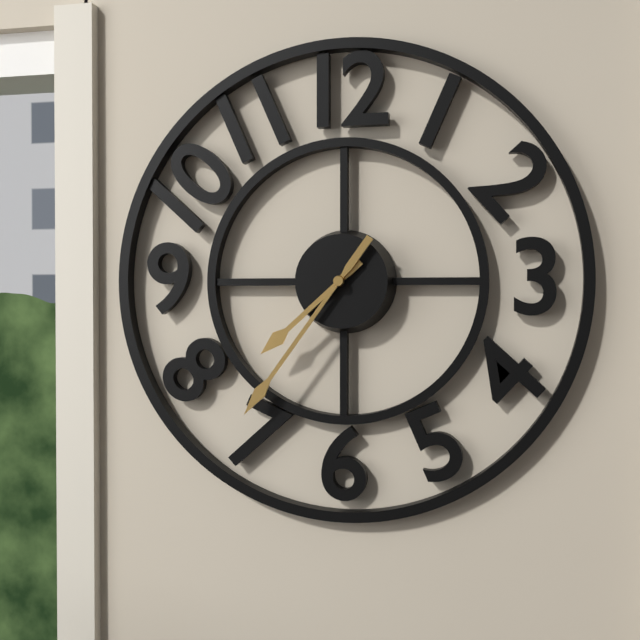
7:36
